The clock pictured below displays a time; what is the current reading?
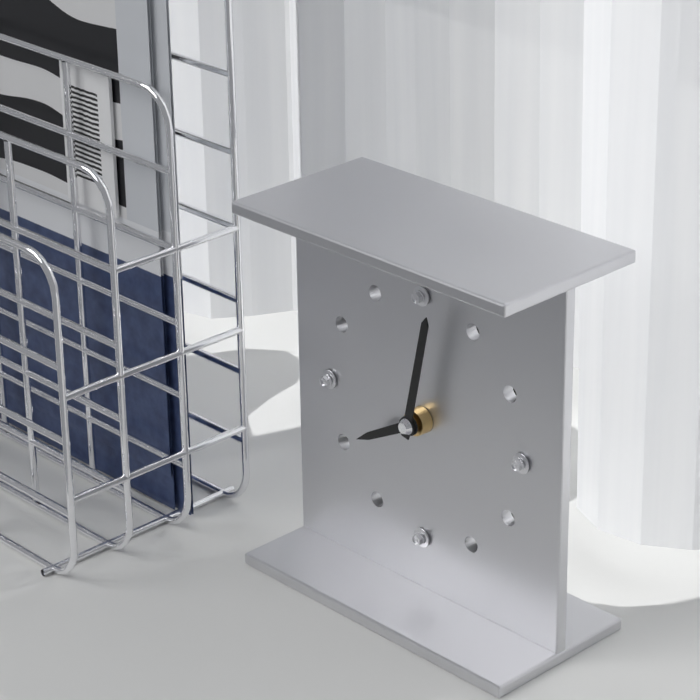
8:02
